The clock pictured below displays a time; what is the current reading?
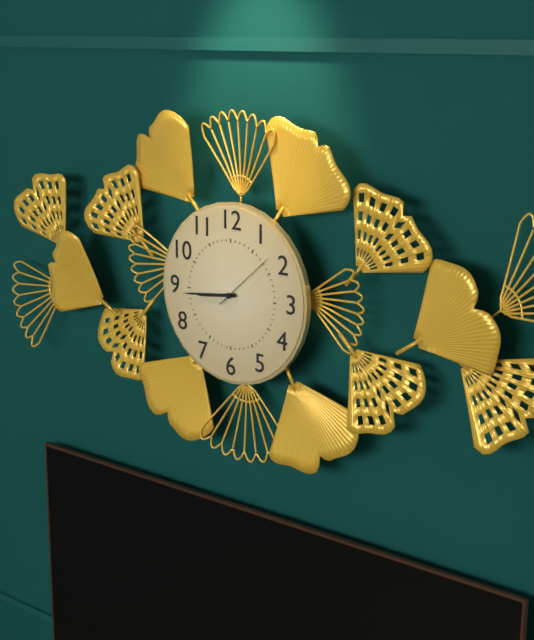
8:44:08
